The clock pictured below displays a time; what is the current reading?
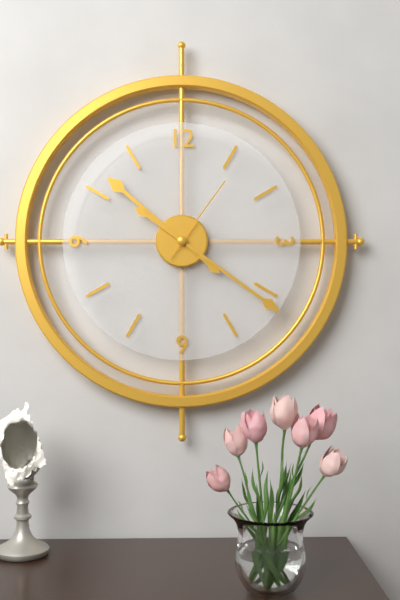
10:21:06
